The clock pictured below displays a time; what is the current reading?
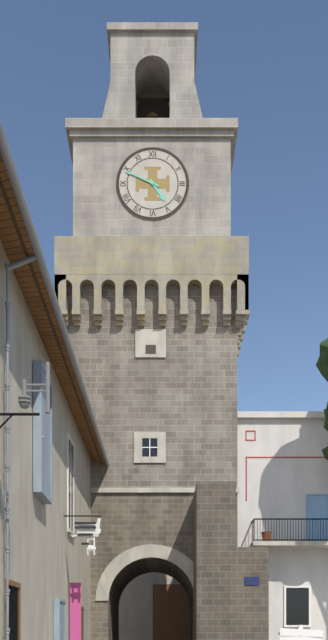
4:49
